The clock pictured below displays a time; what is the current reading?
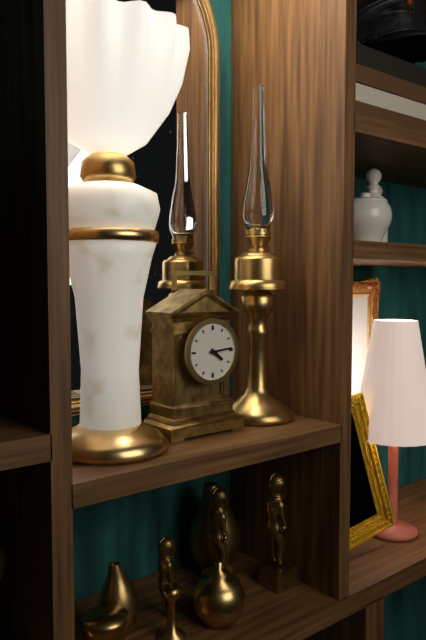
4:14
